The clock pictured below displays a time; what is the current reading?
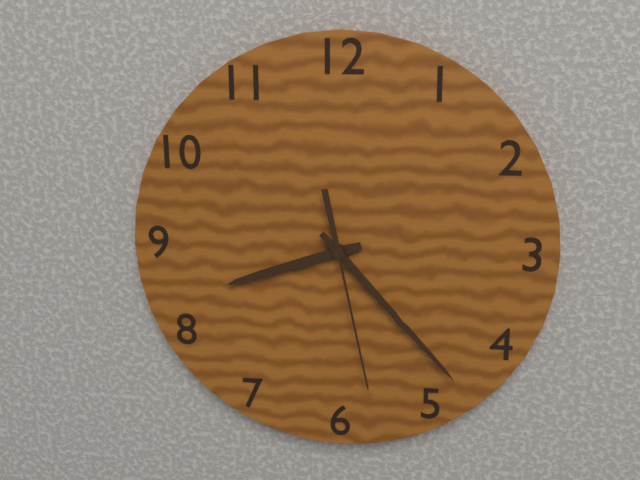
8:23:28
